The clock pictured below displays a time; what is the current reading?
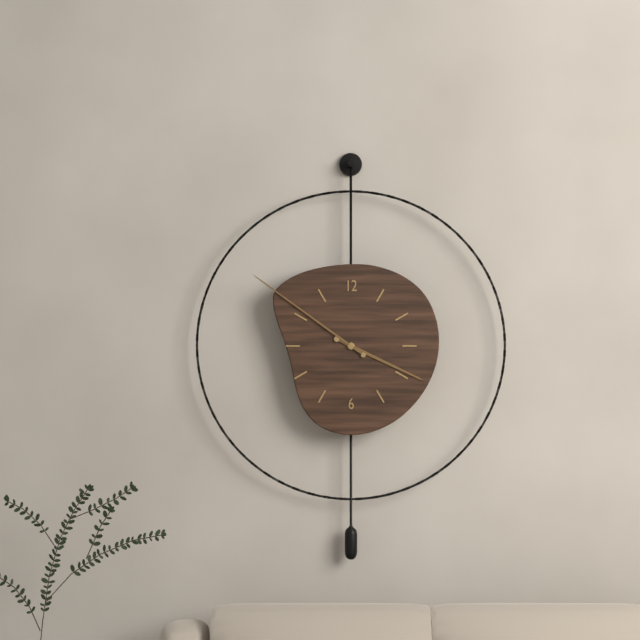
3:51
